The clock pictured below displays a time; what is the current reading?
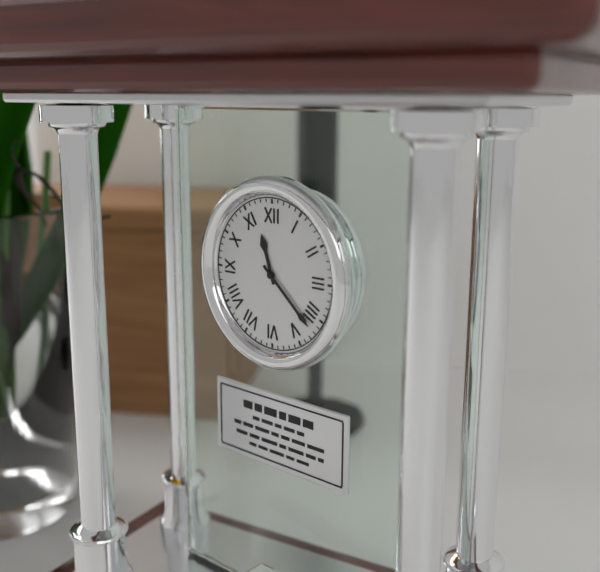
11:22
